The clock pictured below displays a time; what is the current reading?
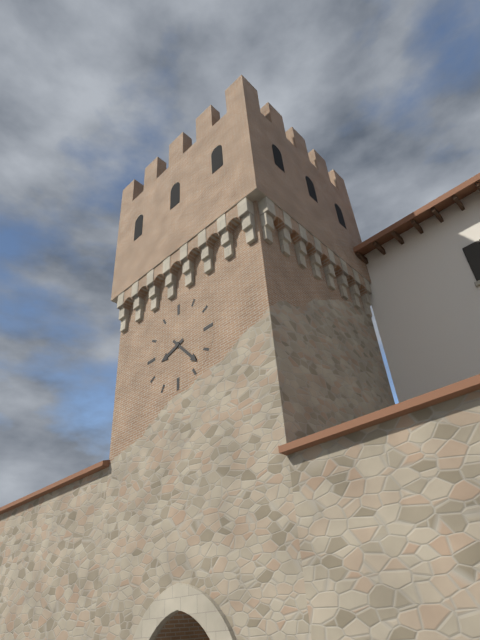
8:23
